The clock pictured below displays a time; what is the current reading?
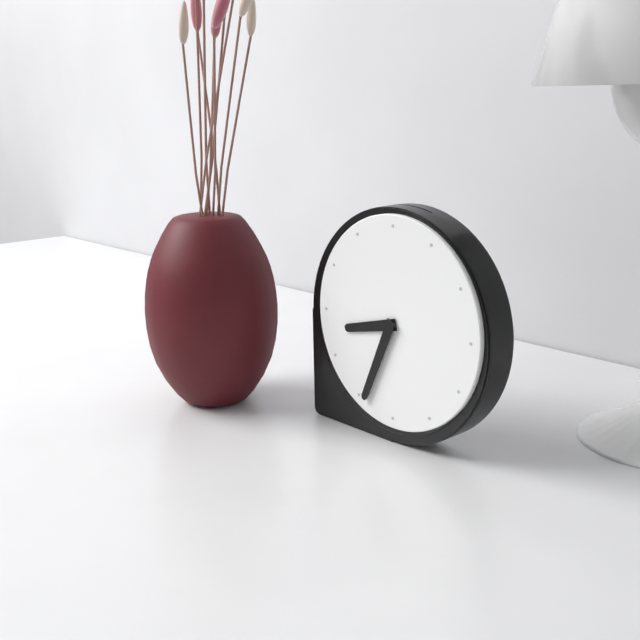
8:34
